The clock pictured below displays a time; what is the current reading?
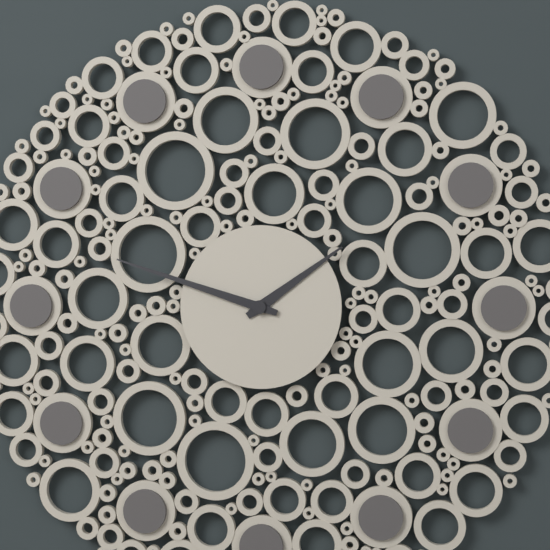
1:48
